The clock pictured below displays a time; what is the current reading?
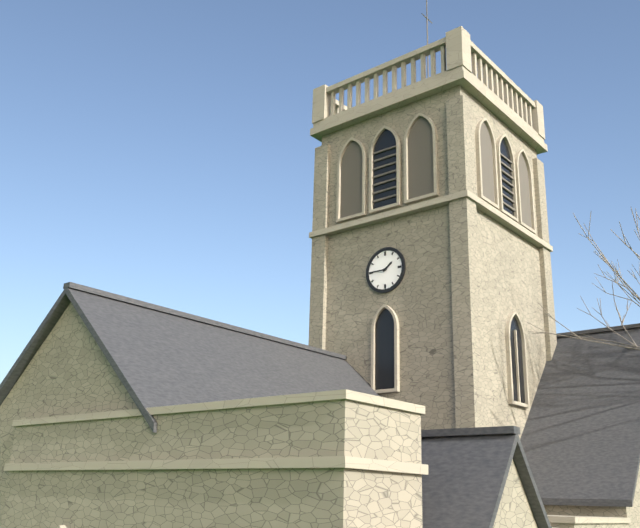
1:45
